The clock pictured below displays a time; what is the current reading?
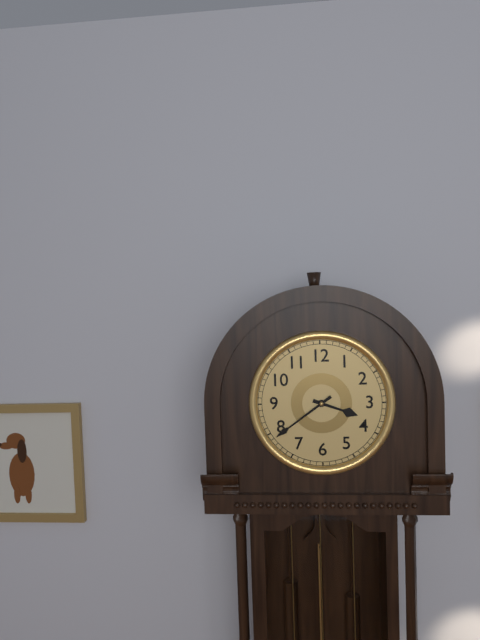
3:39
